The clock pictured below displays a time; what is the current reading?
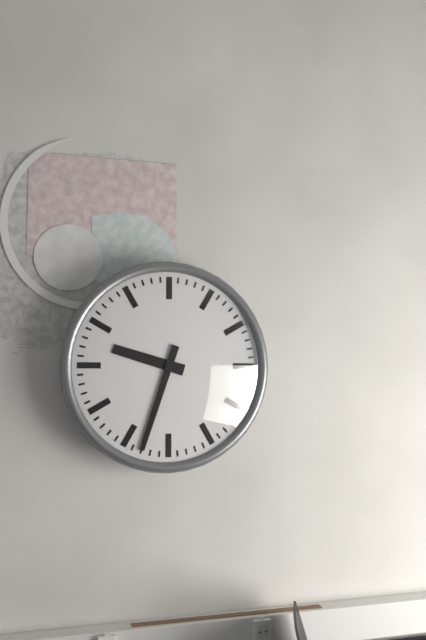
9:33
